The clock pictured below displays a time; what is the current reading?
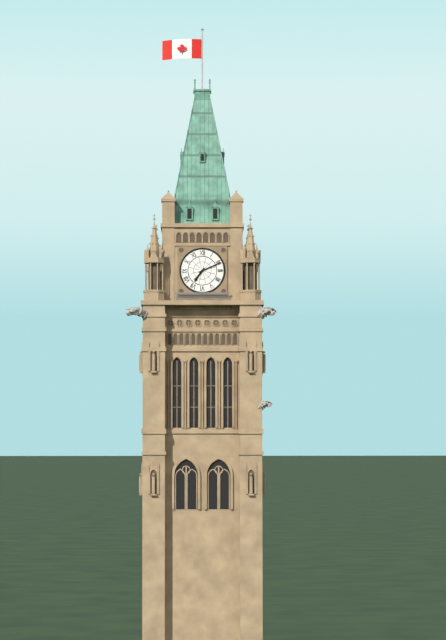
7:11
